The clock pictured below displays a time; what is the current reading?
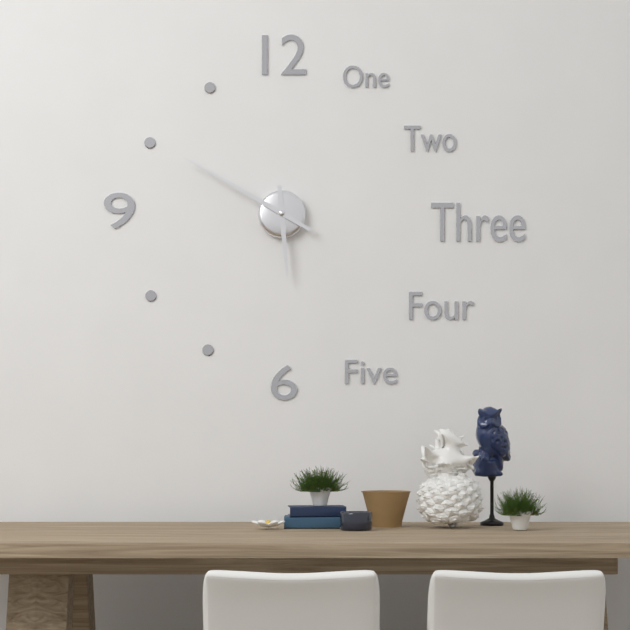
5:50
